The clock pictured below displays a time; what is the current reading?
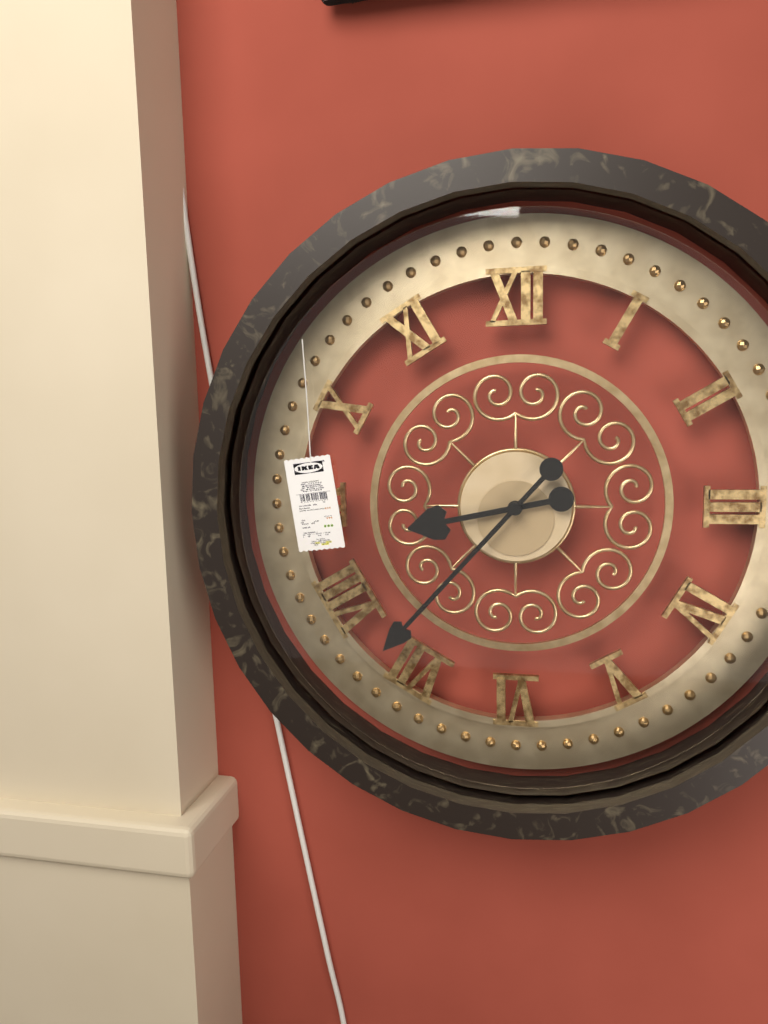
8:37
